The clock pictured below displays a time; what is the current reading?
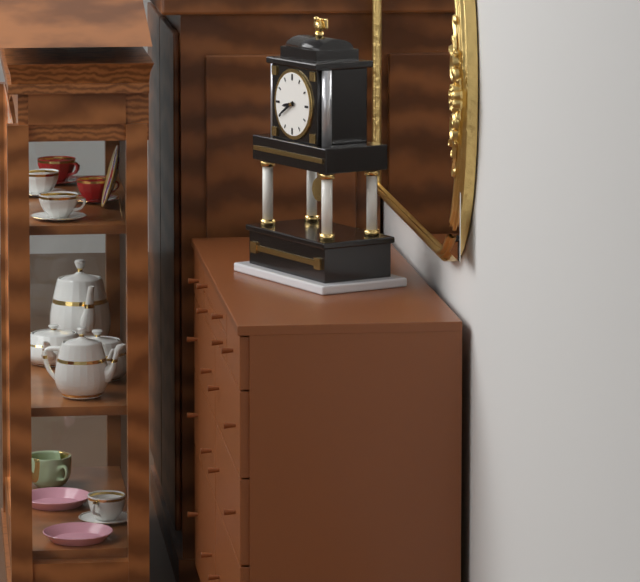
8:40
